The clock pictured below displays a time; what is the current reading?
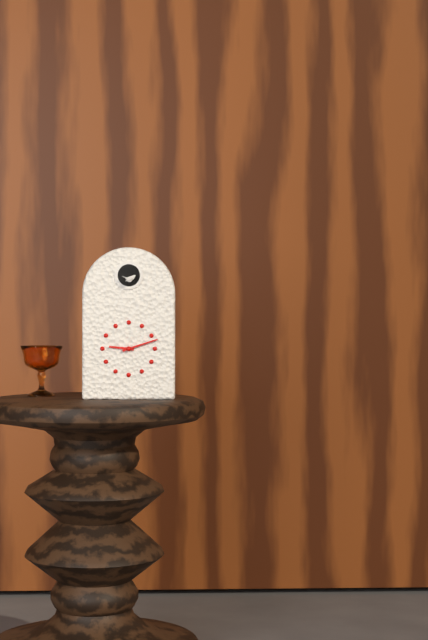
9:12
